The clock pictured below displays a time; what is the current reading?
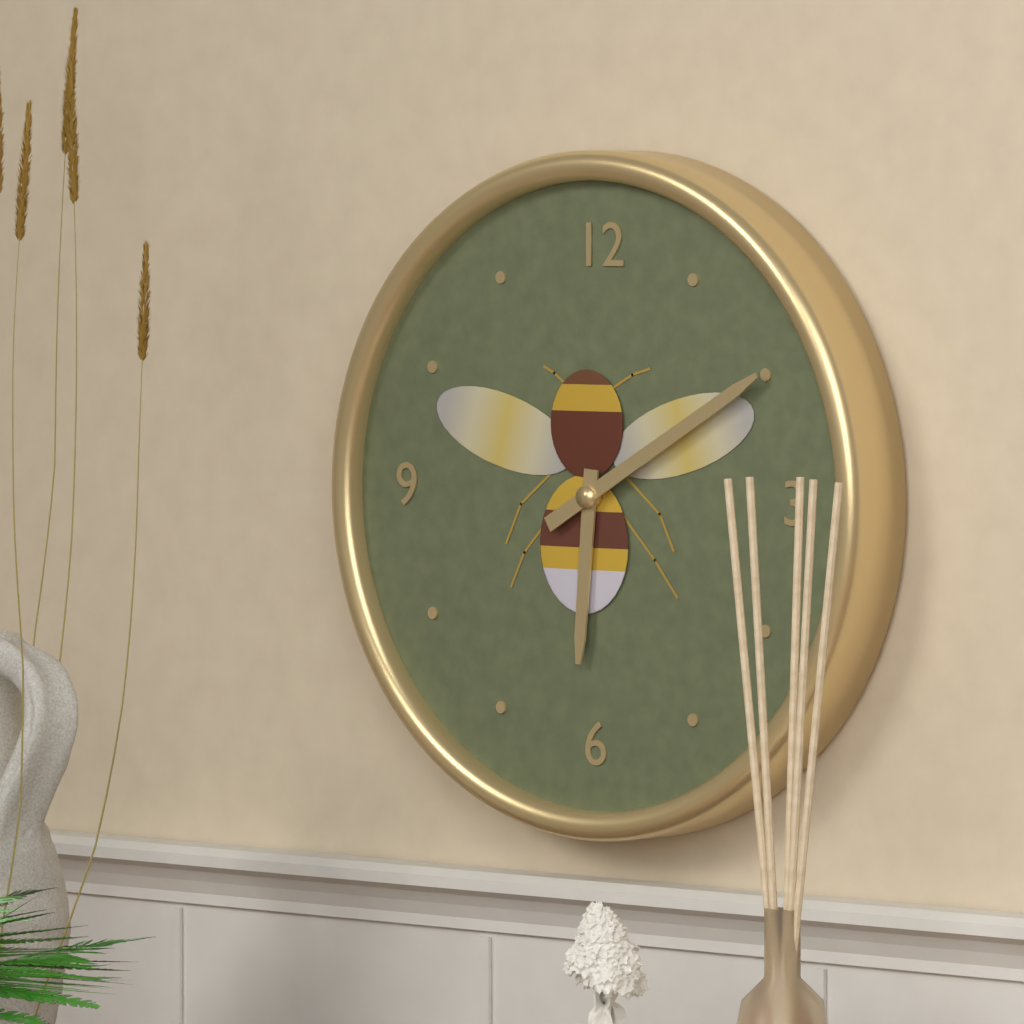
6:10
